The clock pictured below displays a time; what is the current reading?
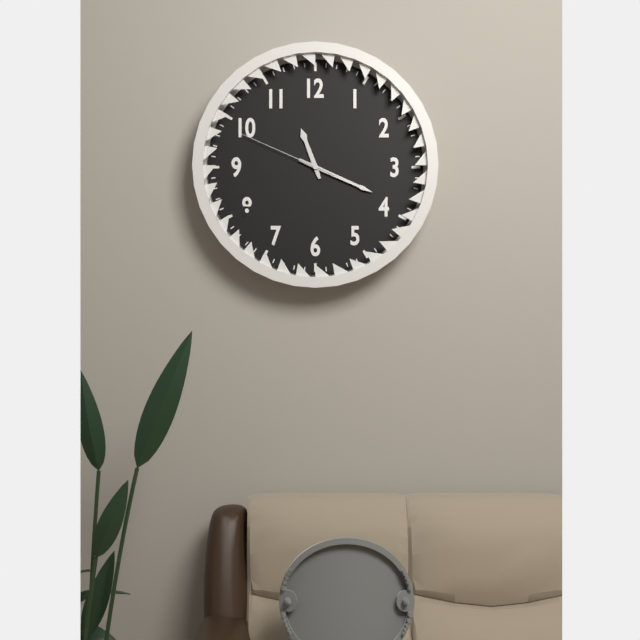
11:19:49
